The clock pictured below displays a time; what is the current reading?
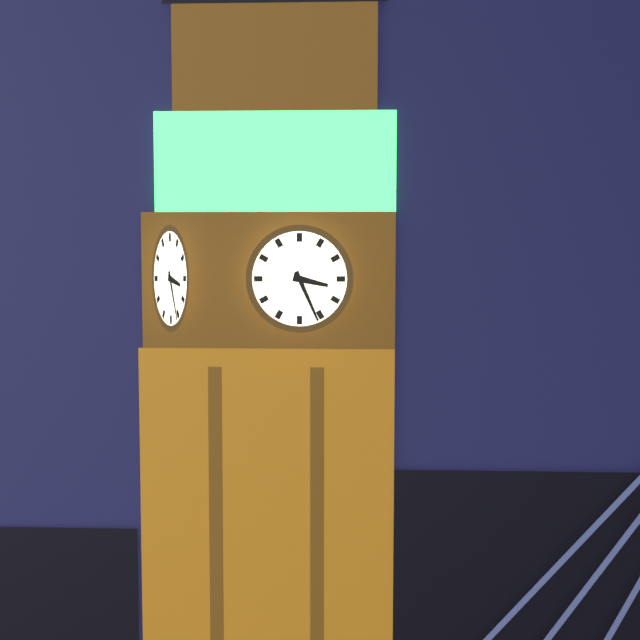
3:26
